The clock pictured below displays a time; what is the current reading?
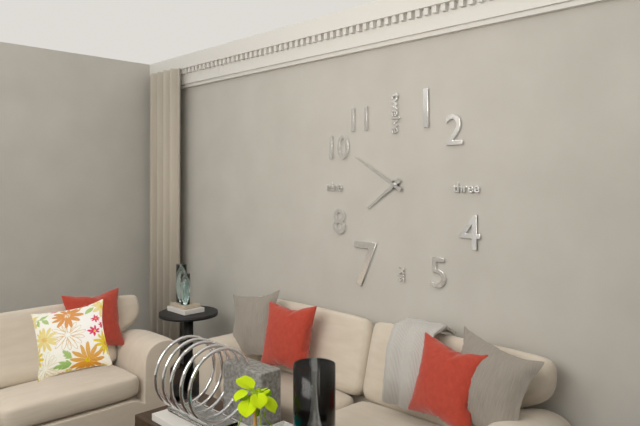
7:50
